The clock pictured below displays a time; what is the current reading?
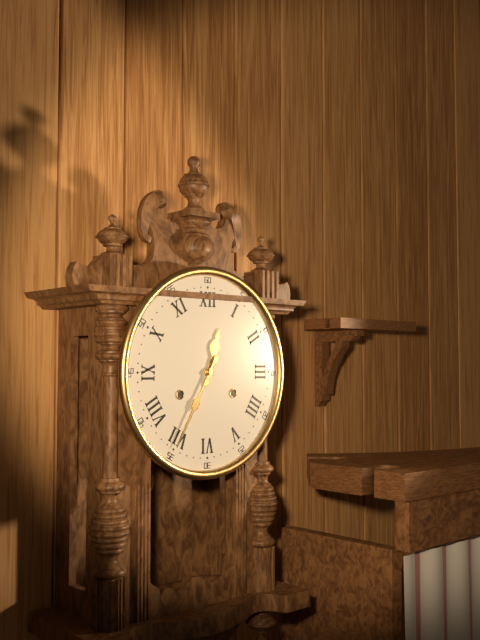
12:35
